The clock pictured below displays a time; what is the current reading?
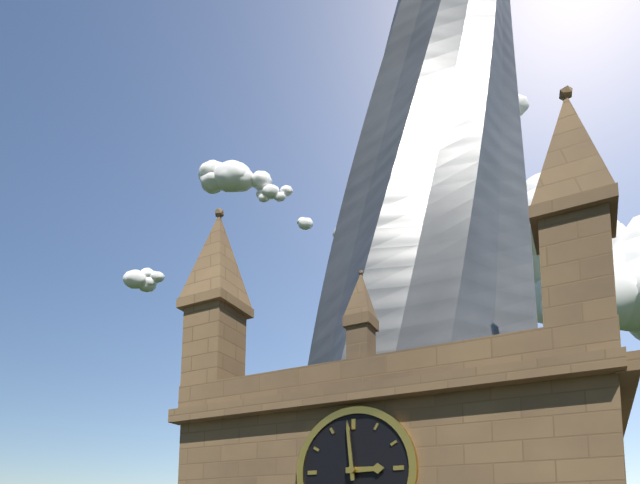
2:59
